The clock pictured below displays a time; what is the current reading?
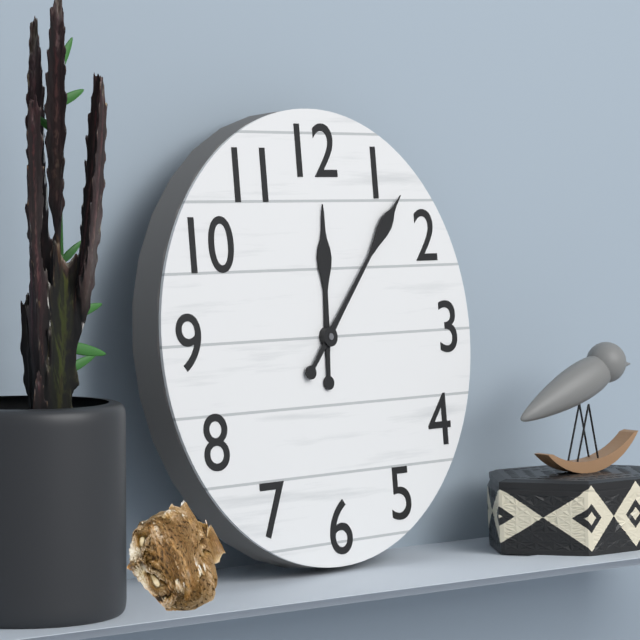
12:07
